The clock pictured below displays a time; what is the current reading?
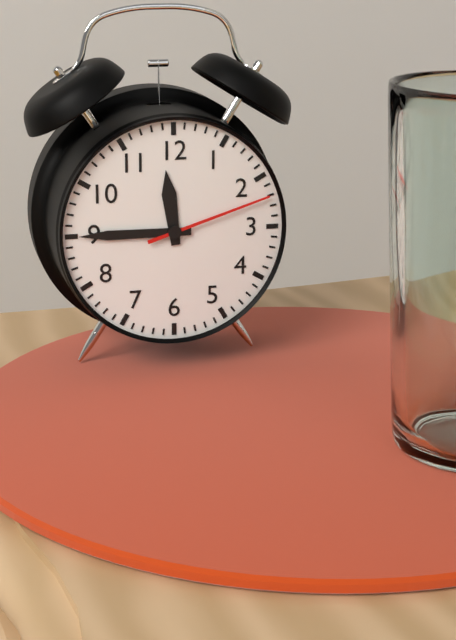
11:45:12
